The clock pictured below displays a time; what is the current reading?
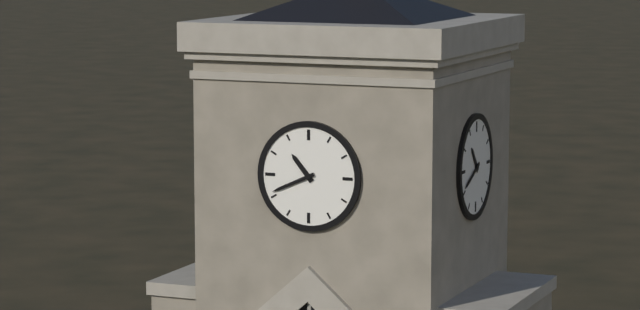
10:41
